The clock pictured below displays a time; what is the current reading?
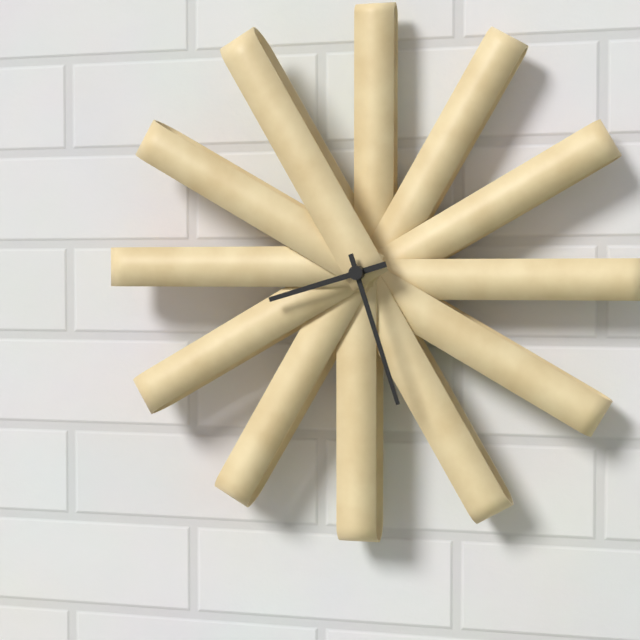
8:27
